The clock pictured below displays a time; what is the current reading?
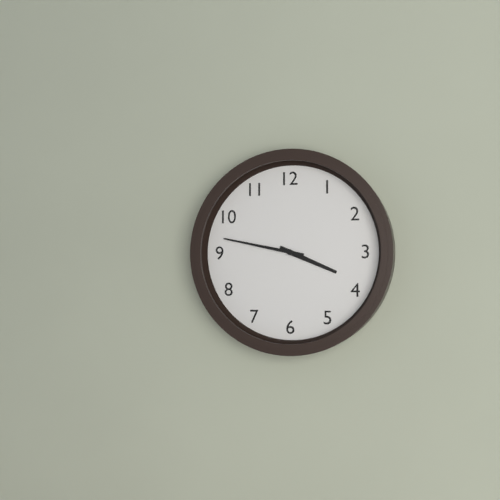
3:47
